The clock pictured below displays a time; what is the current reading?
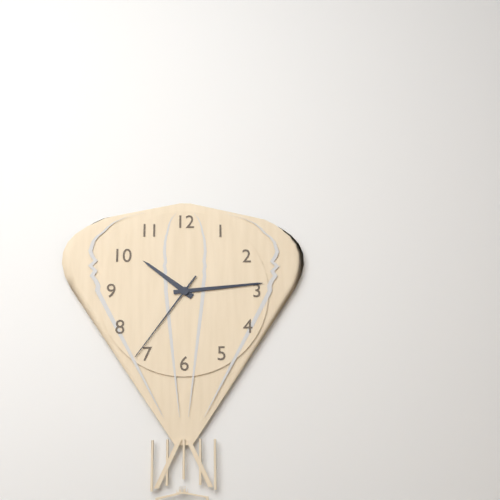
10:14:36
